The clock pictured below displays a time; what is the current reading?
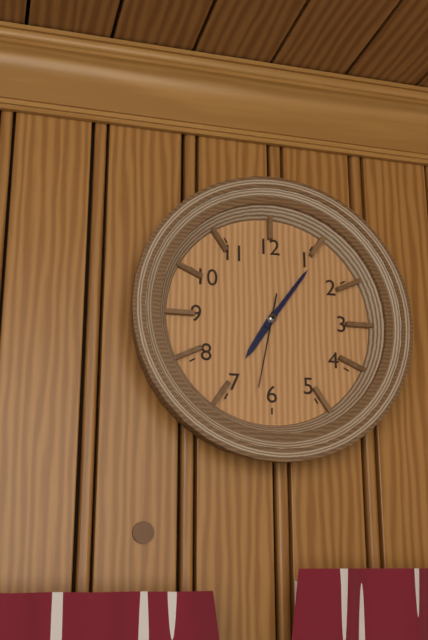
7:06:32
